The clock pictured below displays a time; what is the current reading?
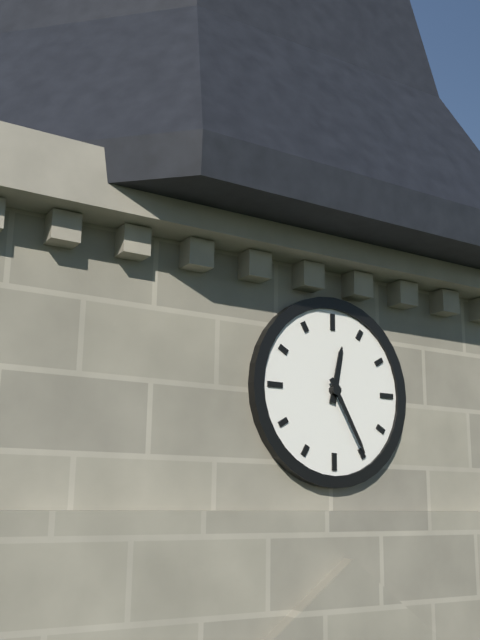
12:25
